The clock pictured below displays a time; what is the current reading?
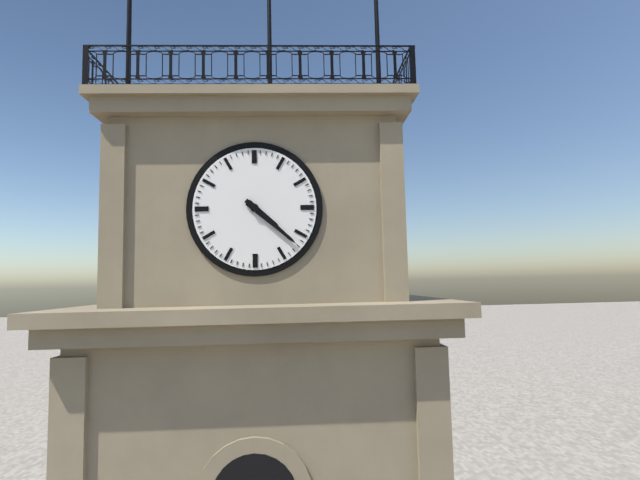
4:22
